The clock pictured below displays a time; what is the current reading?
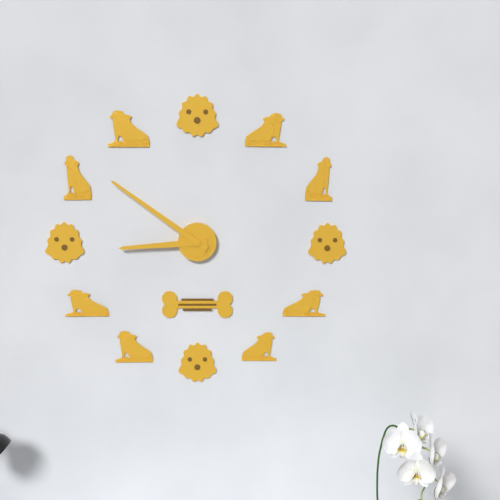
8:51
